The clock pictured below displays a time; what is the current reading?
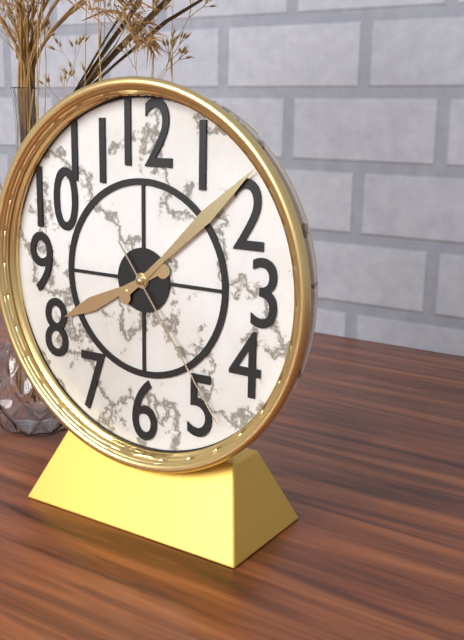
8:08:24
